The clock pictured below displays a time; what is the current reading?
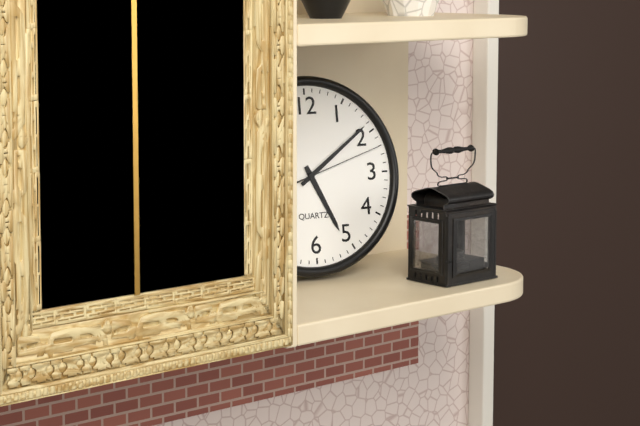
5:09:12
